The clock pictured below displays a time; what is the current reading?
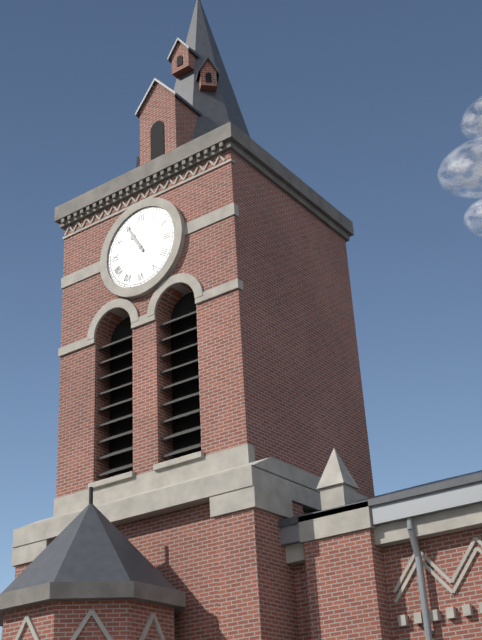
10:55
